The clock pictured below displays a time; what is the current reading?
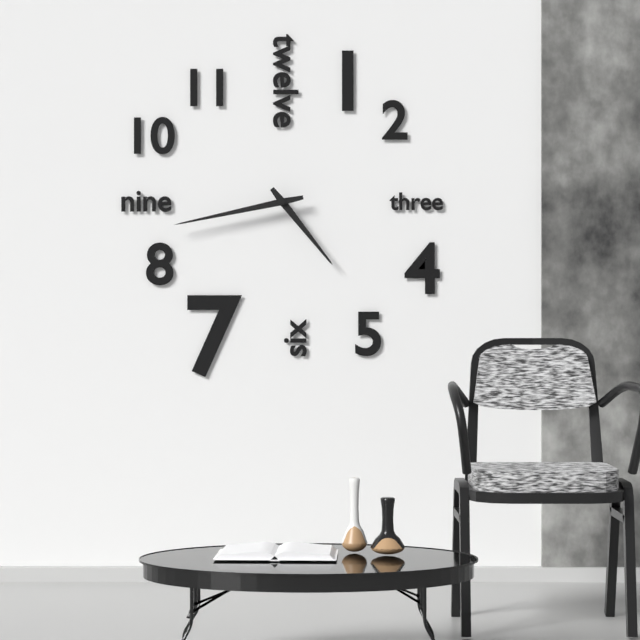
4:43
